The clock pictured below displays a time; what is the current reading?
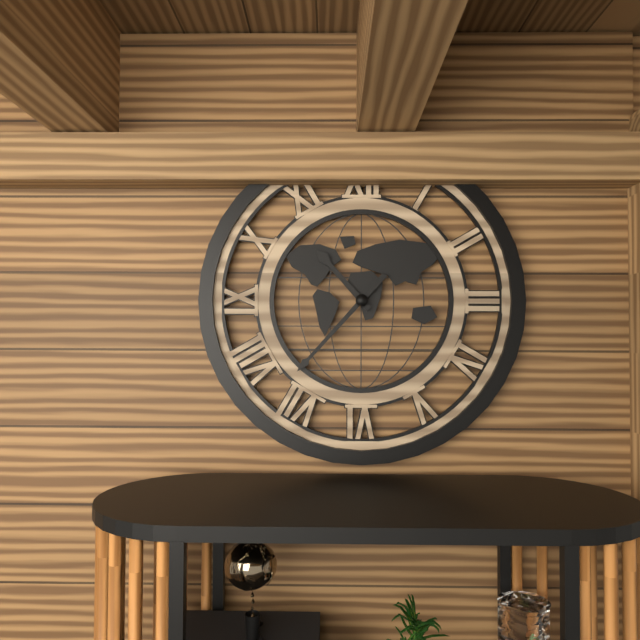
10:37
